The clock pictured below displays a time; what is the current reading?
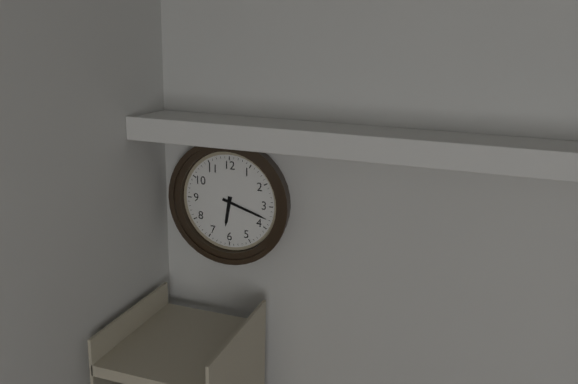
6:18
